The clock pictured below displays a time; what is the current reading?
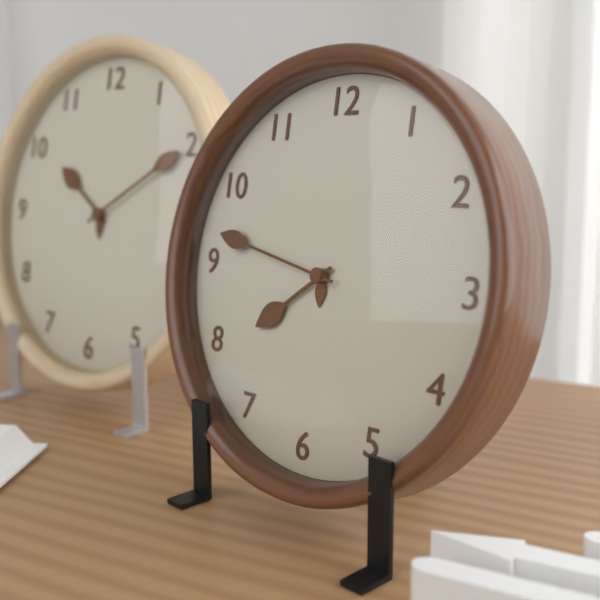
7:47
